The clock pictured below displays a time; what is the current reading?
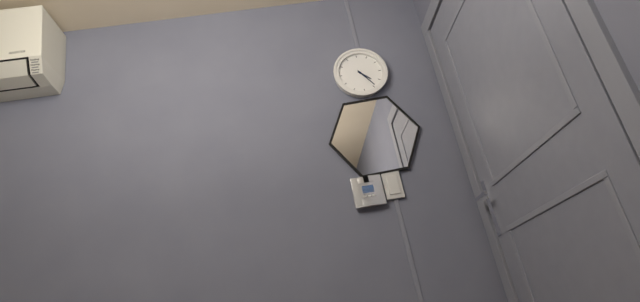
4:24
